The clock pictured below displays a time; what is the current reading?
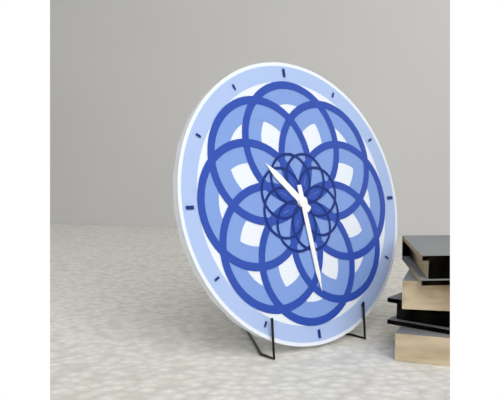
10:29
